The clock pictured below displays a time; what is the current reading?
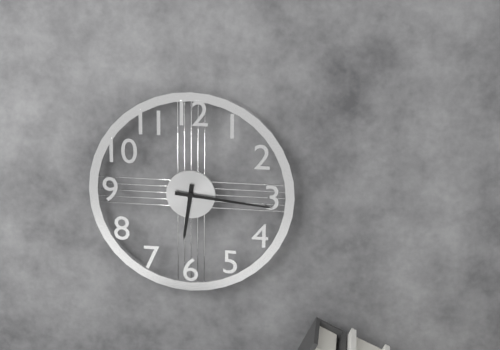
6:16
